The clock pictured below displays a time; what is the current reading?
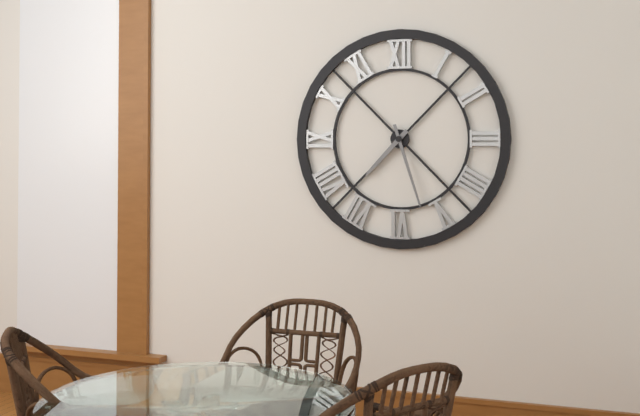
7:27
